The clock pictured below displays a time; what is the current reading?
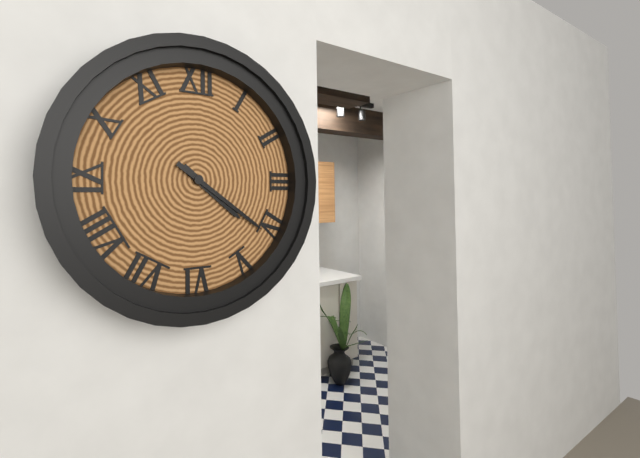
4:21
